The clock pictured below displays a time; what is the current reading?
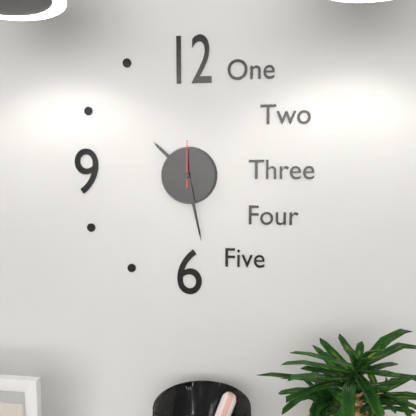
10:28
